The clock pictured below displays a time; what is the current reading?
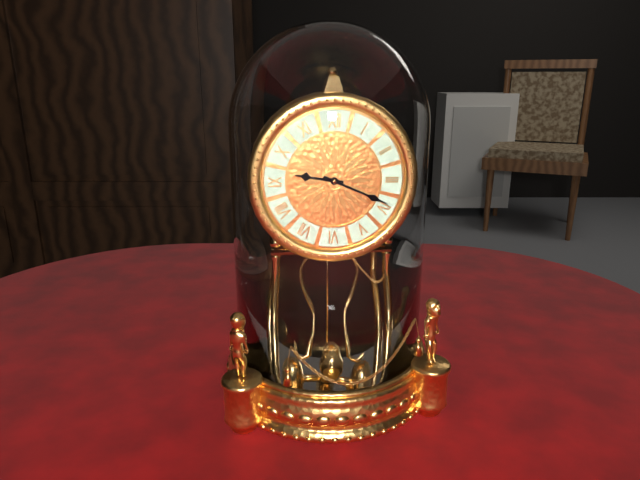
9:19
